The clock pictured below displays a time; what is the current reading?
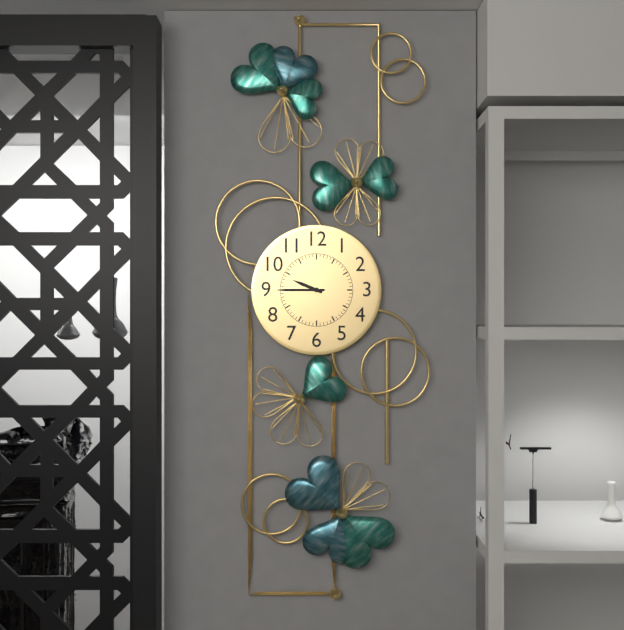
9:45
